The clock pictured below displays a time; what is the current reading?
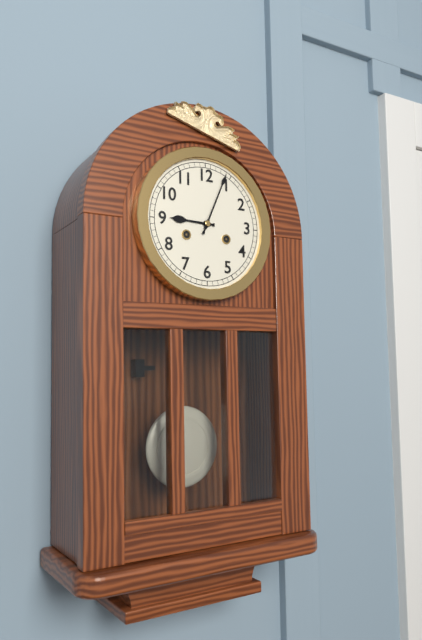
9:04
